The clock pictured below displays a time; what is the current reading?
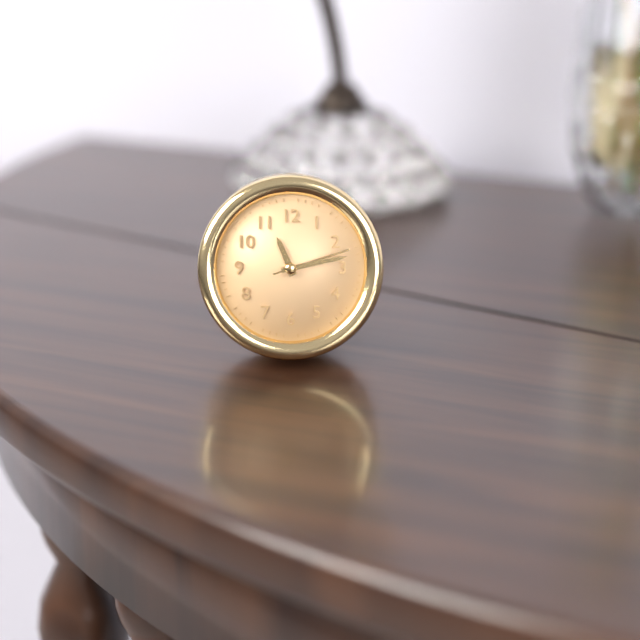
11:13:12
